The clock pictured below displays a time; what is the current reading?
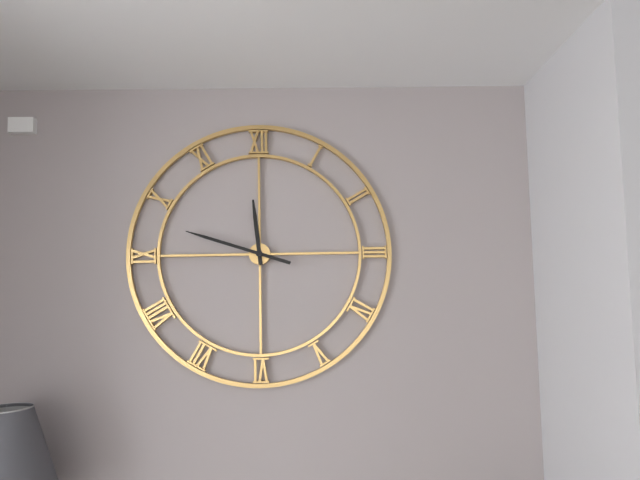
11:48
